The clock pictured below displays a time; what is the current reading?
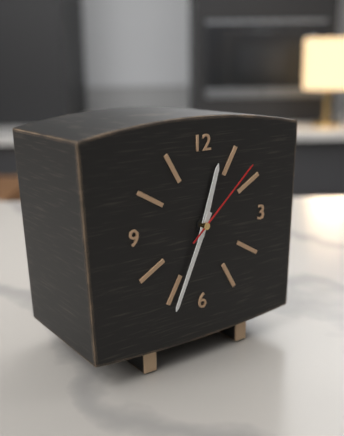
12:34:08
